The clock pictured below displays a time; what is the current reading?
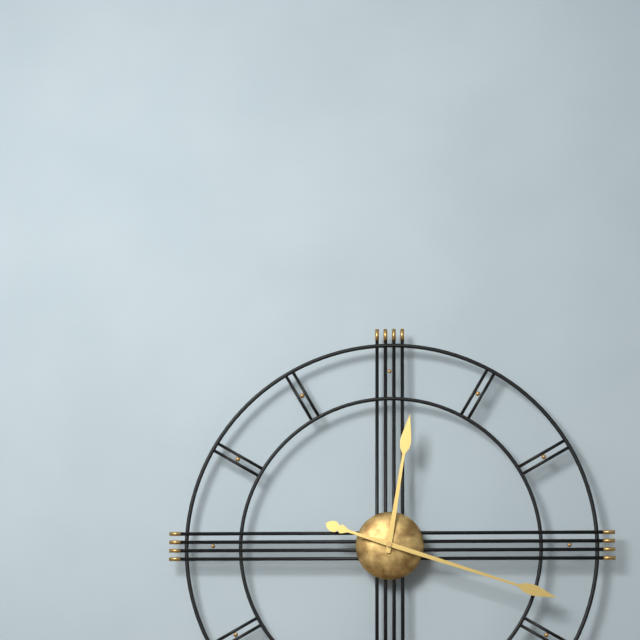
12:18
